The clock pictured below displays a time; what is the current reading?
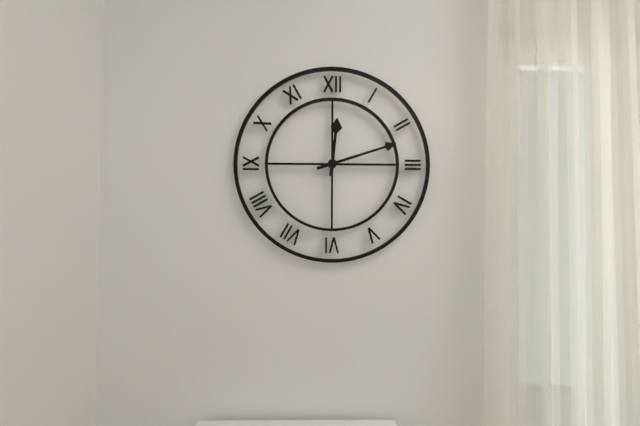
12:12
